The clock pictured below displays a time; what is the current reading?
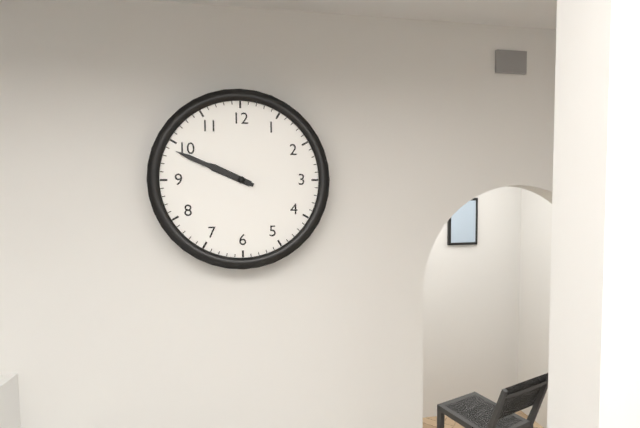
9:49
